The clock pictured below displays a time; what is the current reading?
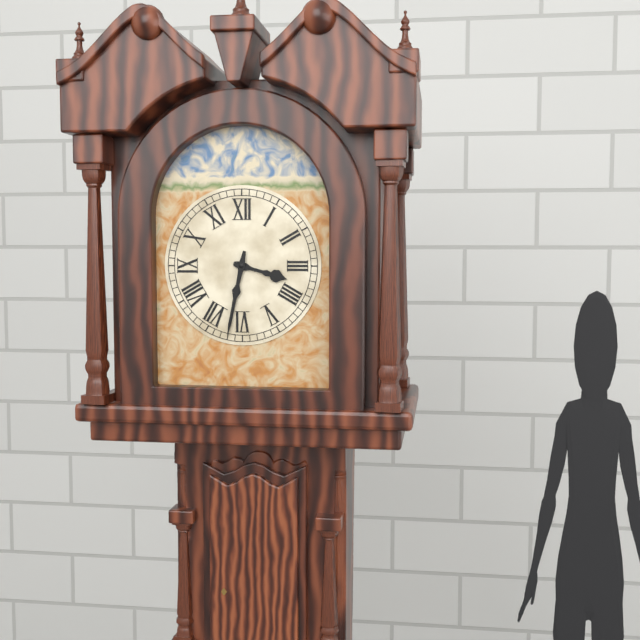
3:32
